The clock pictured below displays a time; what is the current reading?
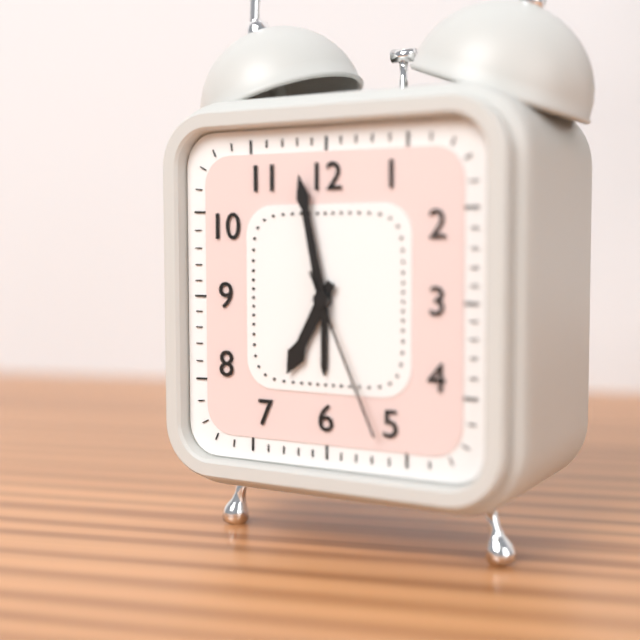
6:58:26
